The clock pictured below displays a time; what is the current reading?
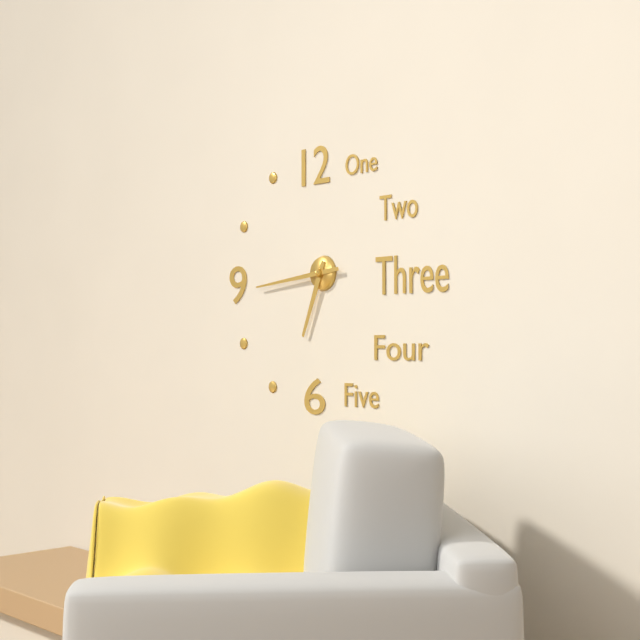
6:44
